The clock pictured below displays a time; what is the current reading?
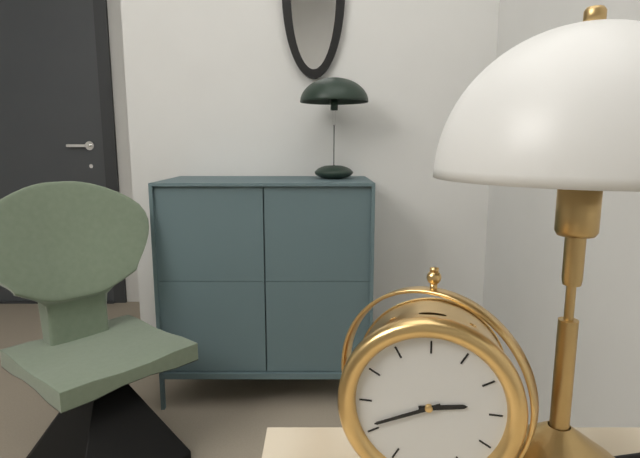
2:41
